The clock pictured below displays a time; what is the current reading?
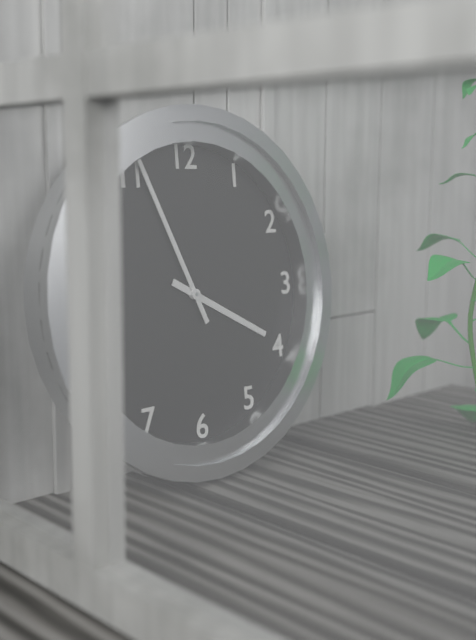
3:56
